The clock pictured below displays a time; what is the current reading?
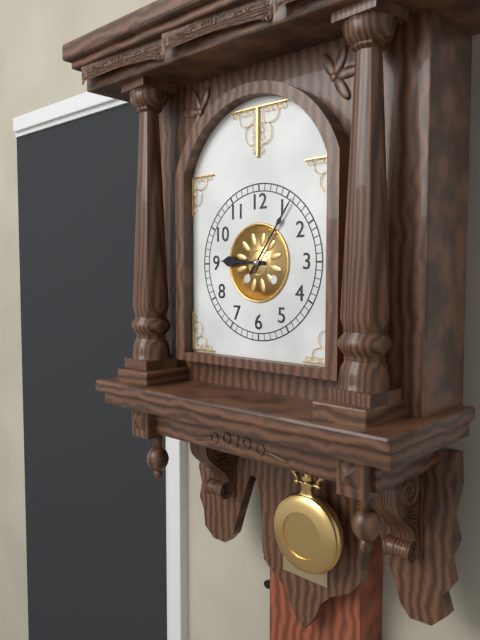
9:06
